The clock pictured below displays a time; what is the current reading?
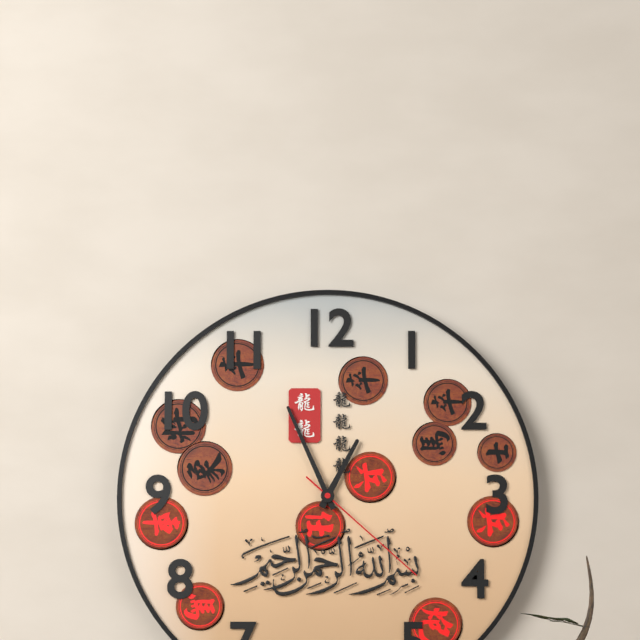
12:56:22
